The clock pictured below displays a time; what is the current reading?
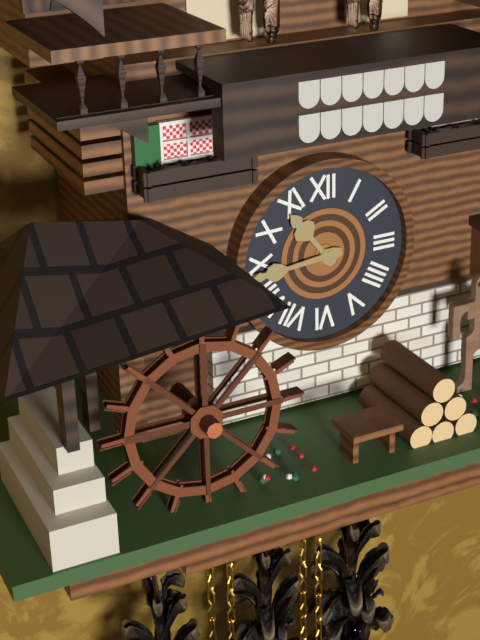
10:44
